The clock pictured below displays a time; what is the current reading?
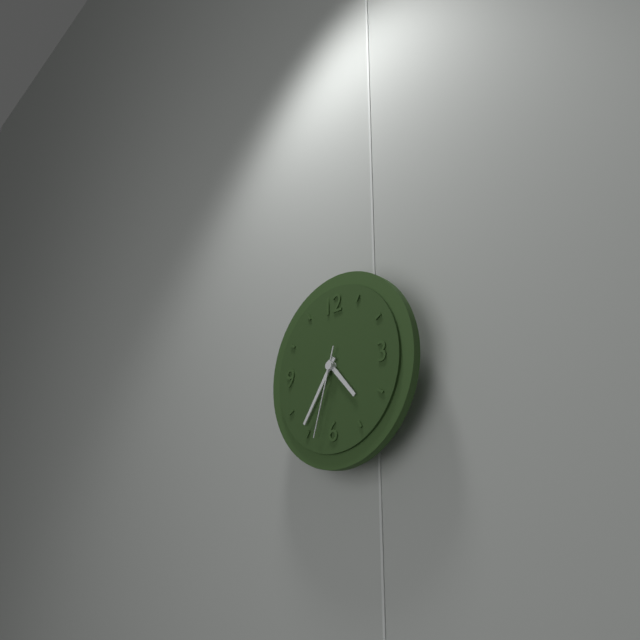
4:36:33
